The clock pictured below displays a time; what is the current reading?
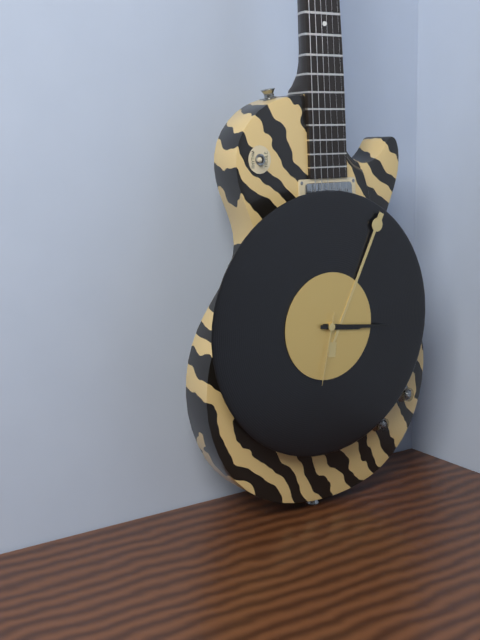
3:16:32
